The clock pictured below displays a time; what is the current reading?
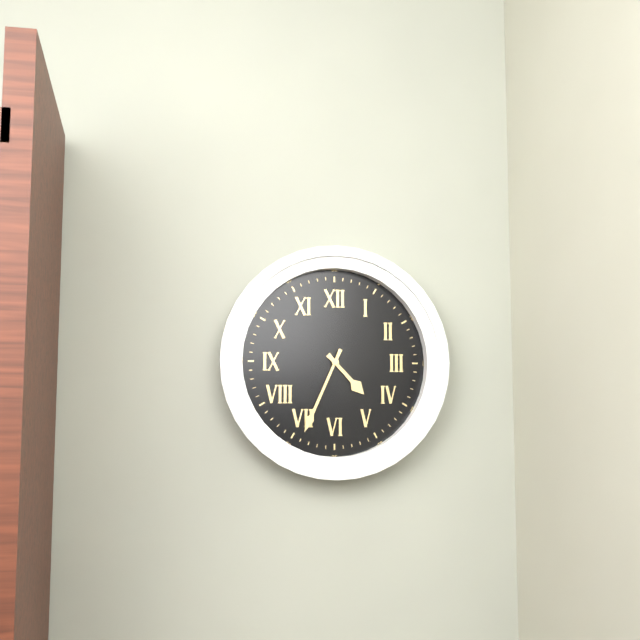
4:34
